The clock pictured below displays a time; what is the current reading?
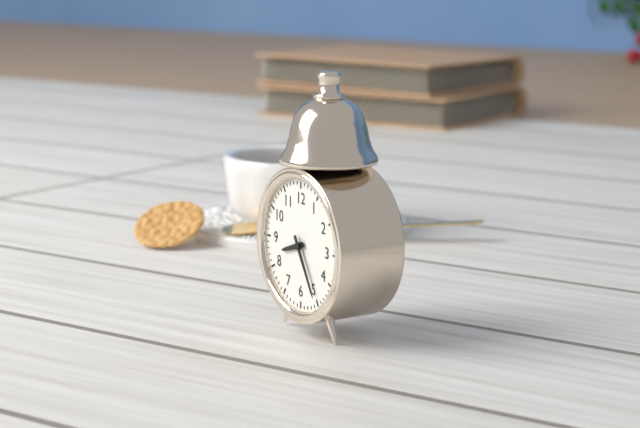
8:25
